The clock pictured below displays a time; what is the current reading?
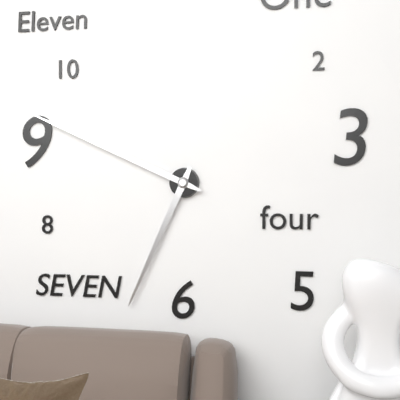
6:49
